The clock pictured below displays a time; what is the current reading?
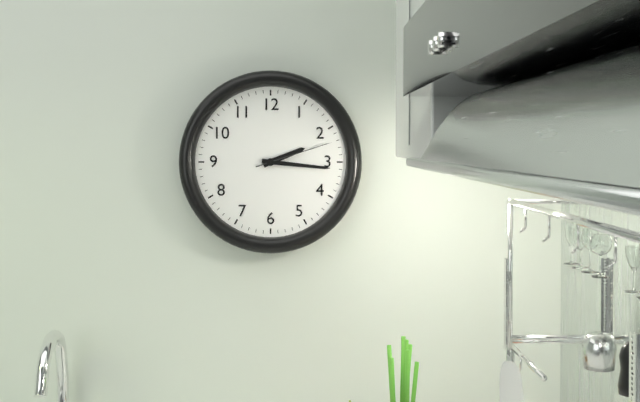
2:16:12
